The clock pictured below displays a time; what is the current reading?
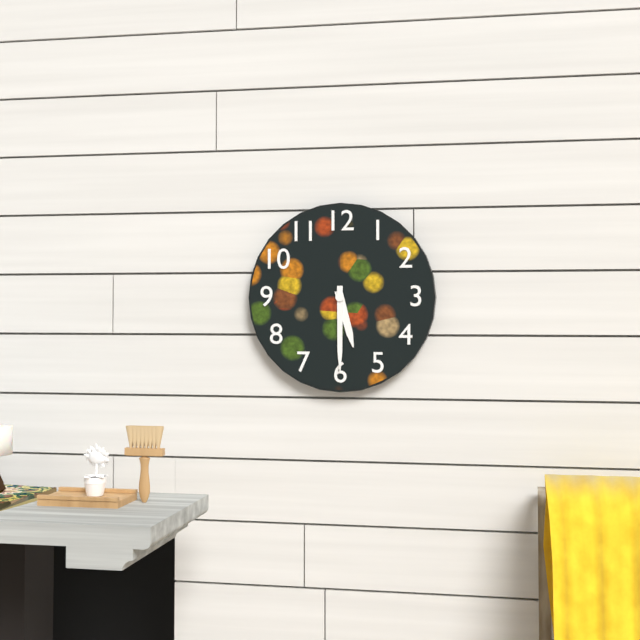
5:30
